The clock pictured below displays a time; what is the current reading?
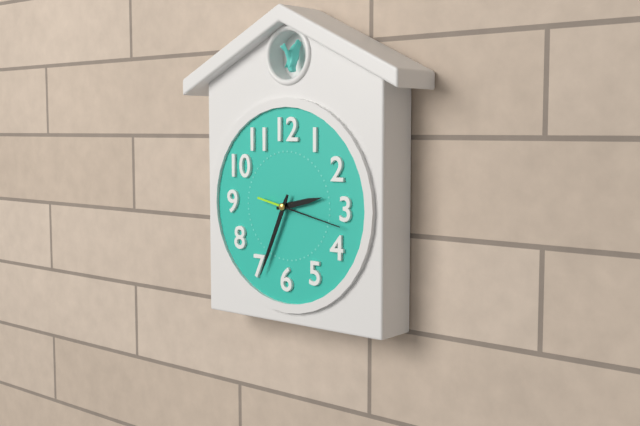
2:34
